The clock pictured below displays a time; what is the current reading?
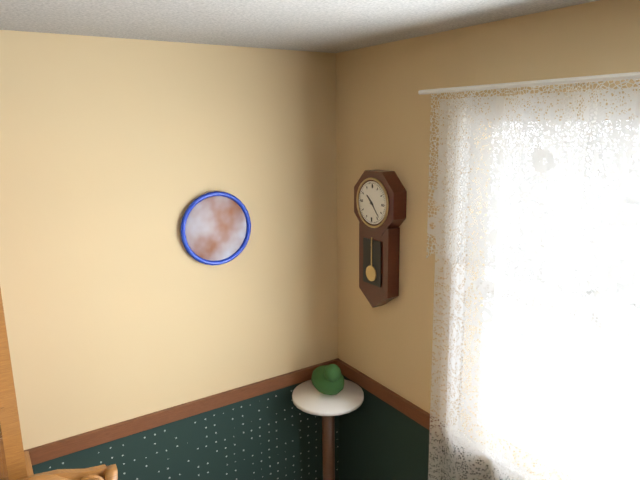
10:23
